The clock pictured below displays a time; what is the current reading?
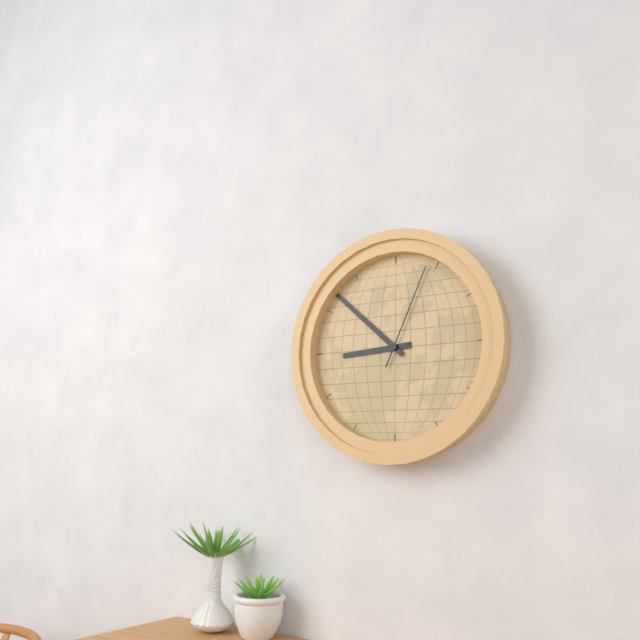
8:52:04
